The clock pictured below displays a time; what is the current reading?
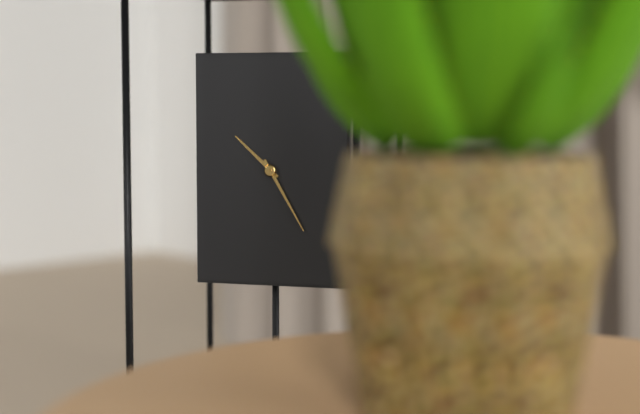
10:25
